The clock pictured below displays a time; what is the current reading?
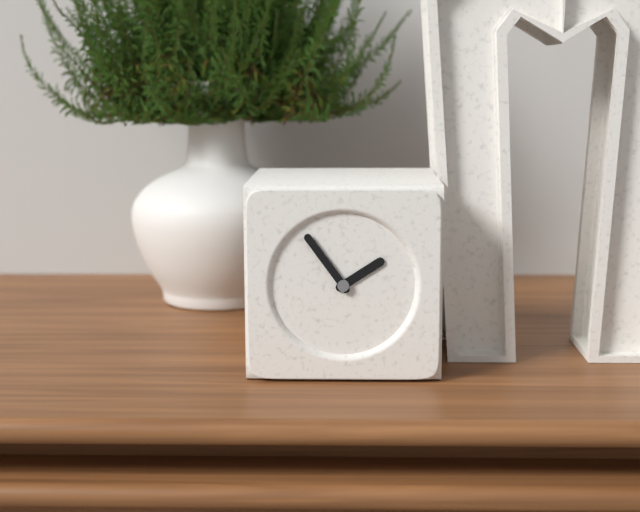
1:54
